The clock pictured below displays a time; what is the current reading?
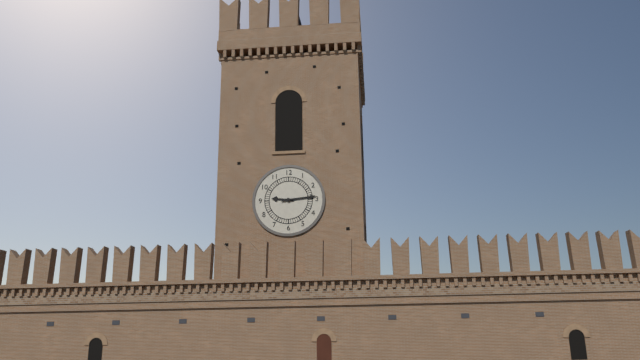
9:14
